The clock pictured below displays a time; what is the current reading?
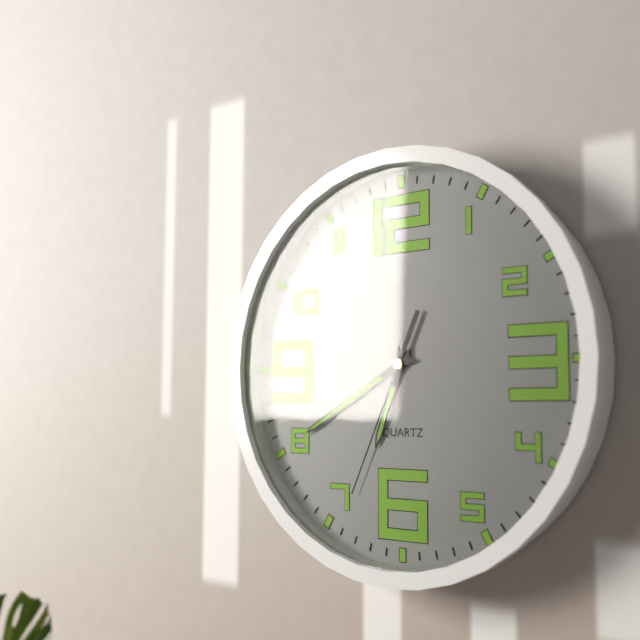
6:40:34
